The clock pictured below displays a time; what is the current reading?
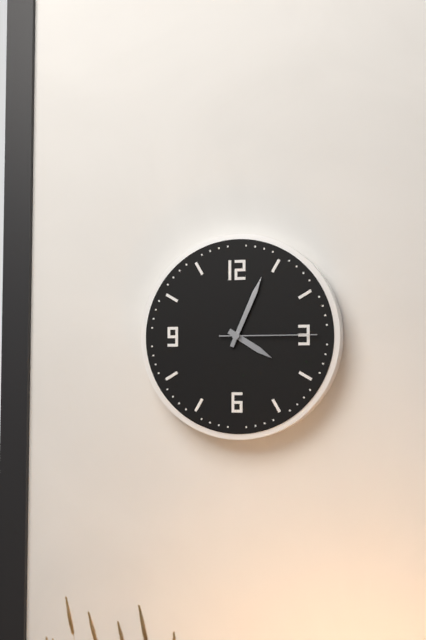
4:04:15
